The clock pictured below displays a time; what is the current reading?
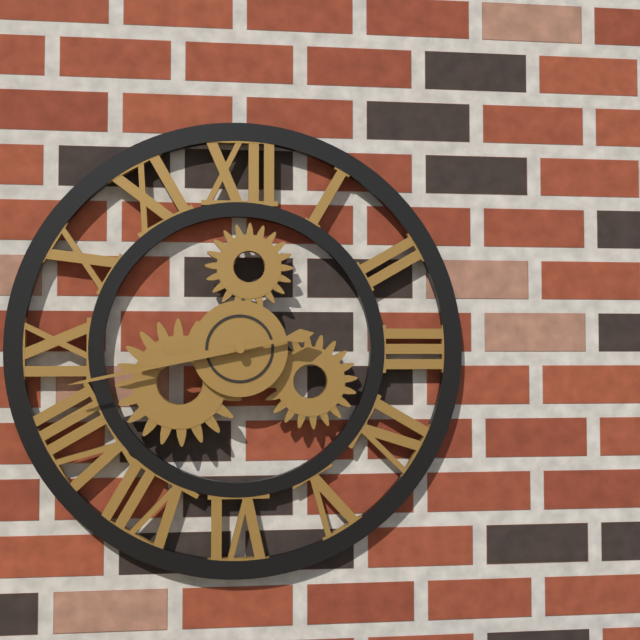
8:43
